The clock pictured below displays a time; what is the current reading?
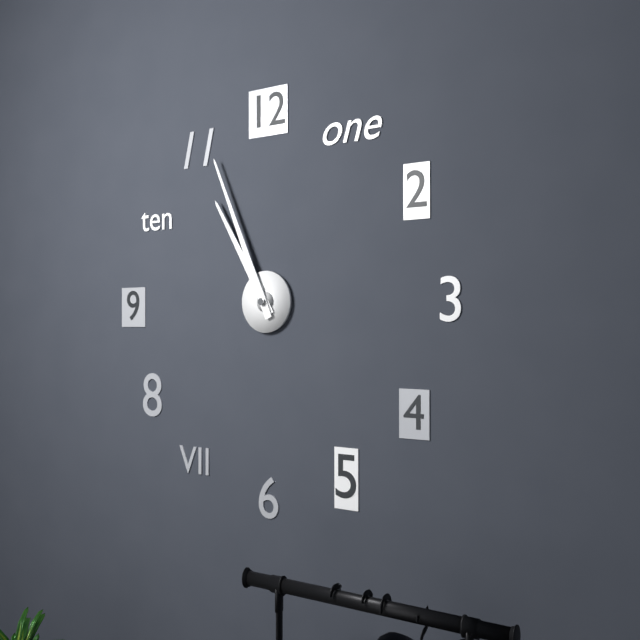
10:56
